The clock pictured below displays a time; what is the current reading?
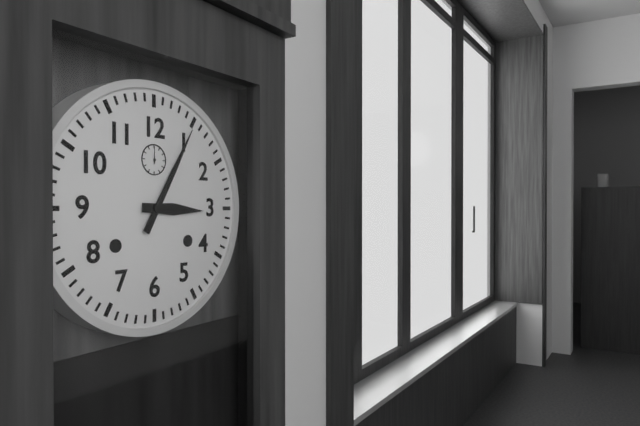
3:05
